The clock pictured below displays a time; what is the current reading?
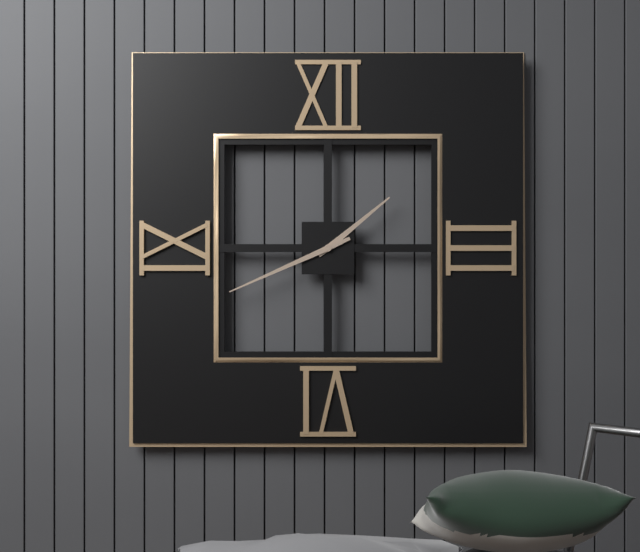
1:41
